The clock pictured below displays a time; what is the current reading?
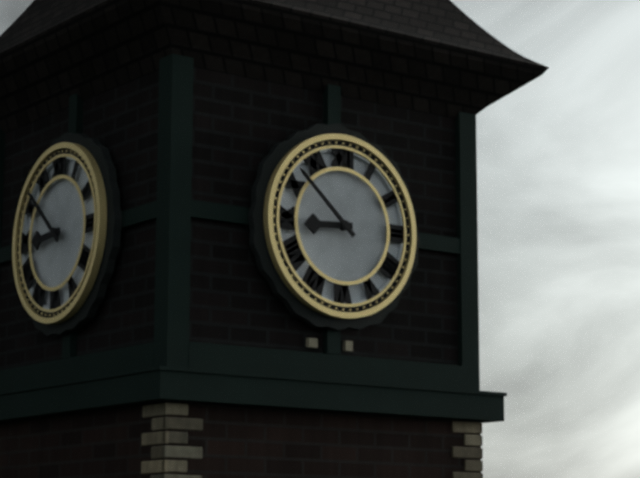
8:52
